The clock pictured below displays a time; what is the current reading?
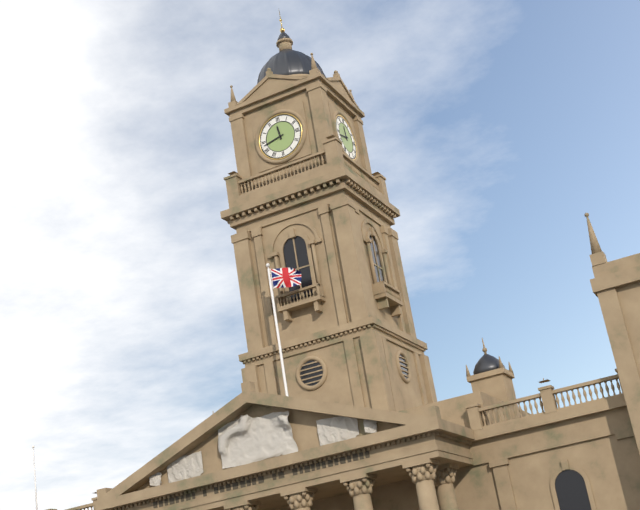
11:43
